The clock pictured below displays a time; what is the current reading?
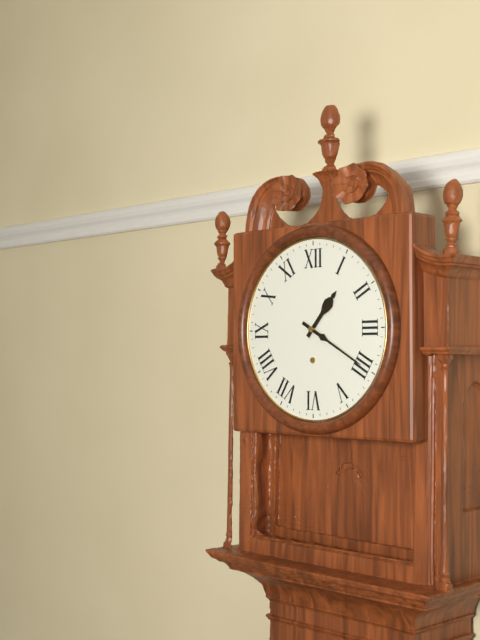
1:20
